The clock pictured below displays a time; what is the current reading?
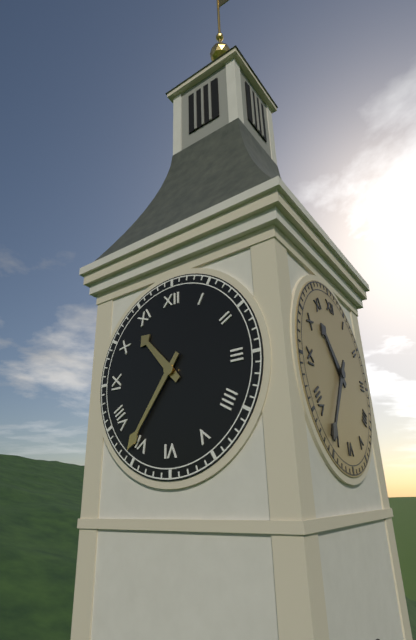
10:36
